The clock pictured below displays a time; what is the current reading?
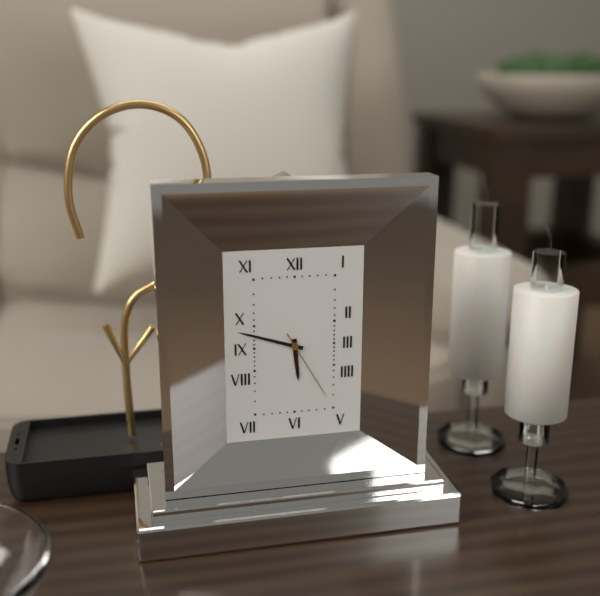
5:48:25
